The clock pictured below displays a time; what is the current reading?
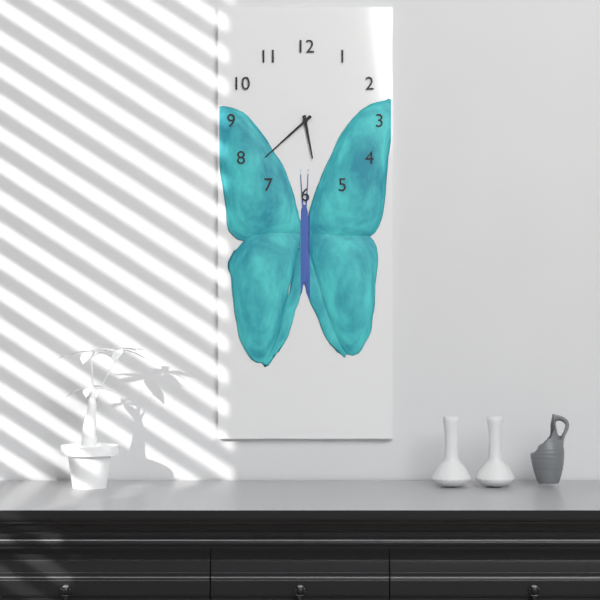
5:38
